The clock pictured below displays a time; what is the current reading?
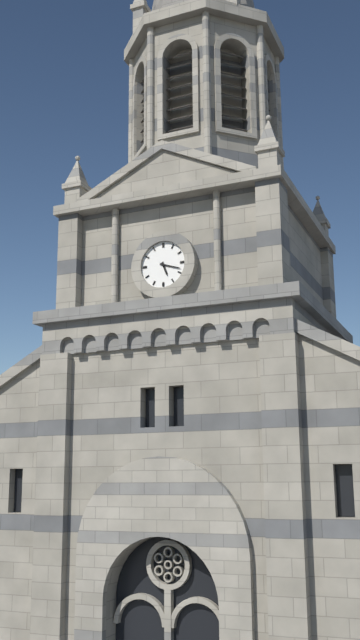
5:18
